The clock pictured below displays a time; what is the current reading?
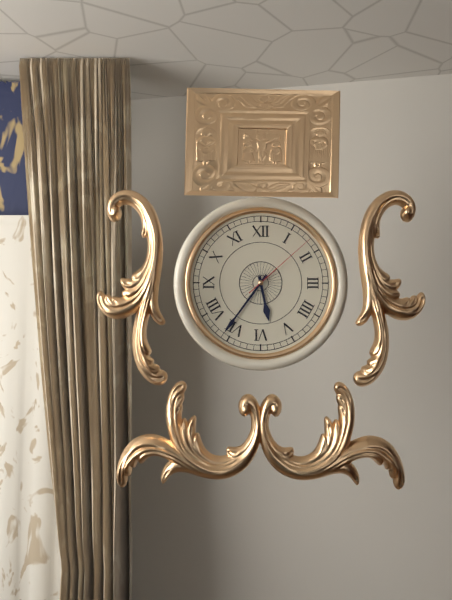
5:36:08
